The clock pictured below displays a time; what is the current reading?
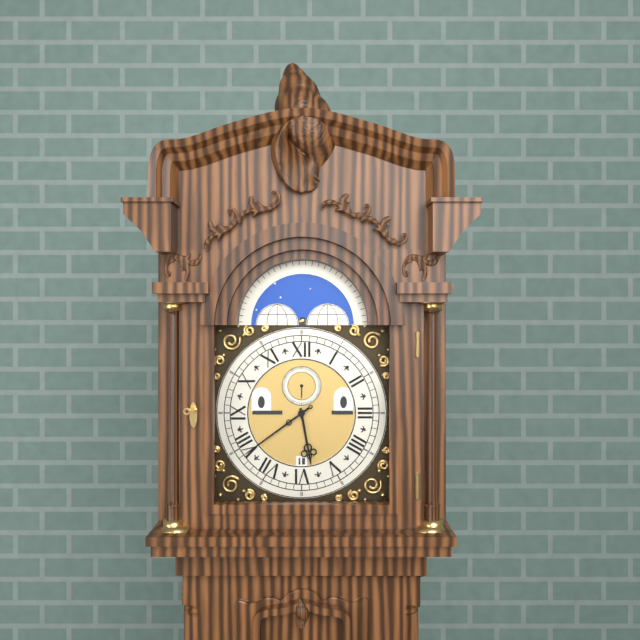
5:39
